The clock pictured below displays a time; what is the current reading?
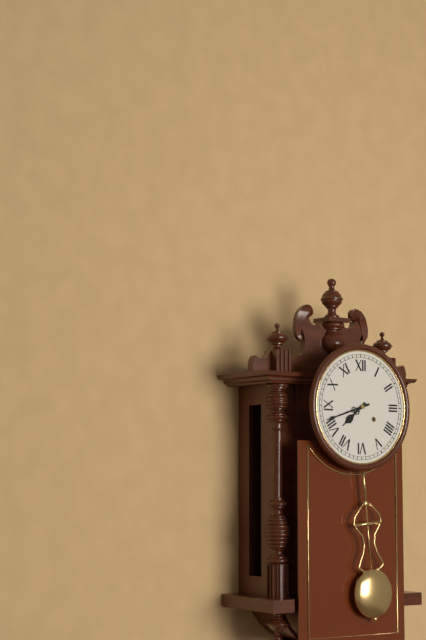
7:42
